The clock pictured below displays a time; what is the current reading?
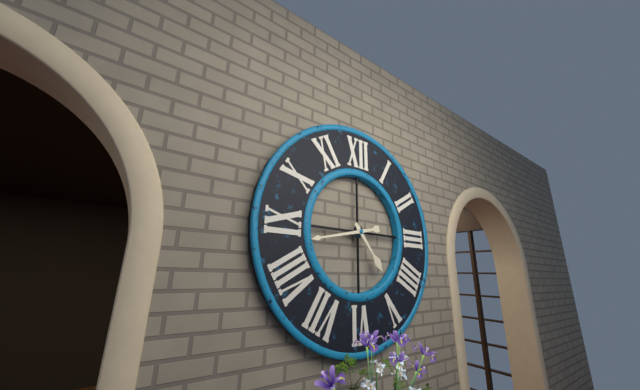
4:43
